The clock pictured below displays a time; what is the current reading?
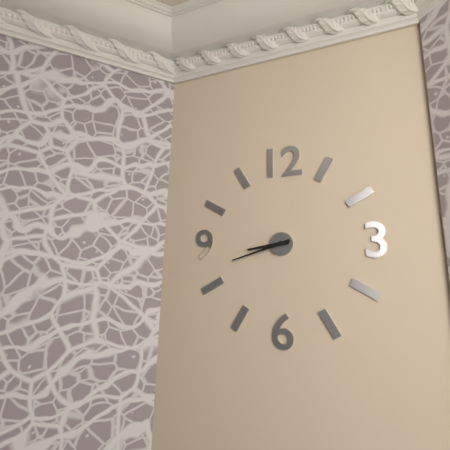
8:42
